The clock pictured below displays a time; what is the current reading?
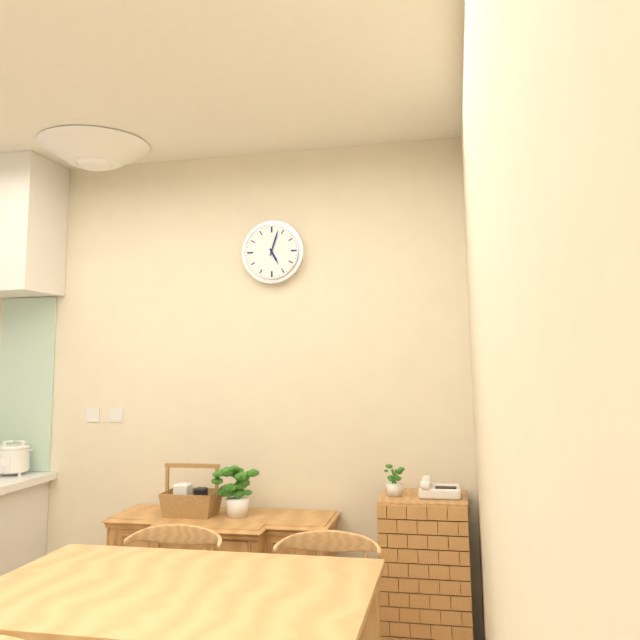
5:03
